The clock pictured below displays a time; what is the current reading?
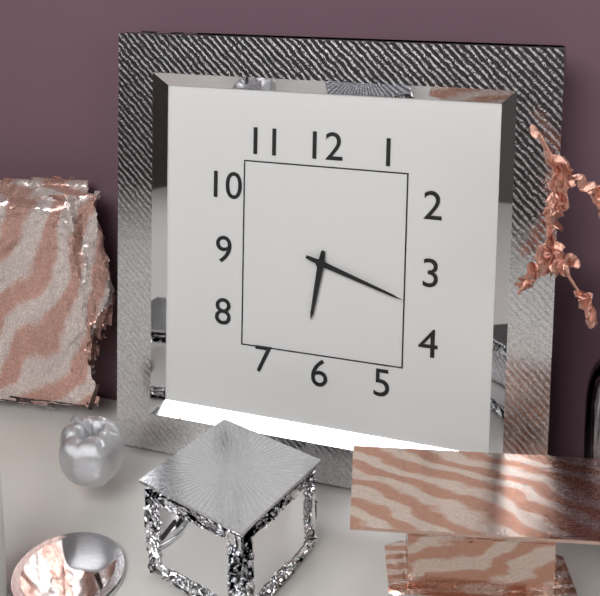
6:18
